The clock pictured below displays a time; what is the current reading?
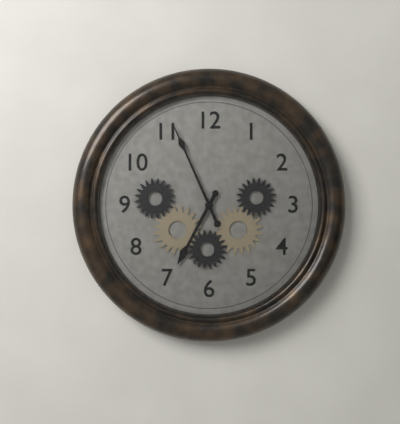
6:56
